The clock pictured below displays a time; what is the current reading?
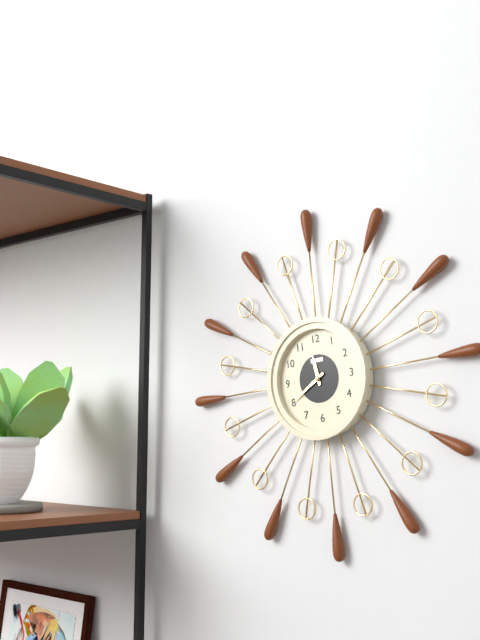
11:40
